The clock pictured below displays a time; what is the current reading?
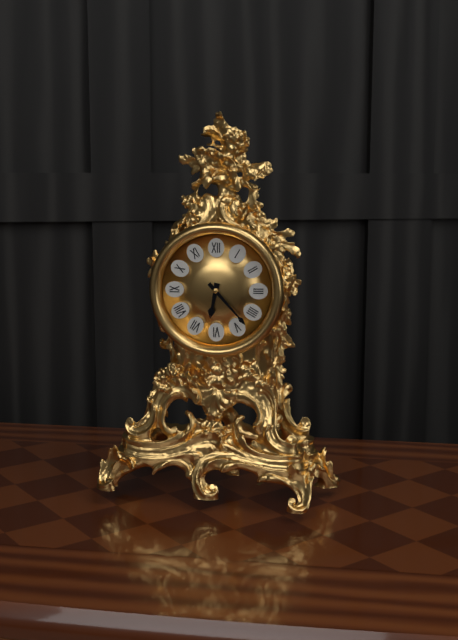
6:23
